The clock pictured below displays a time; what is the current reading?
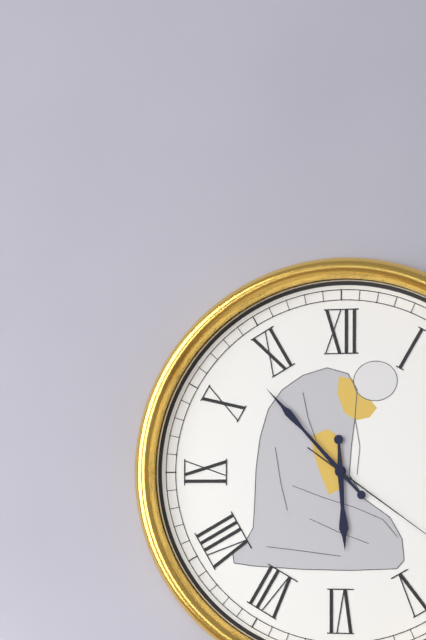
5:53
